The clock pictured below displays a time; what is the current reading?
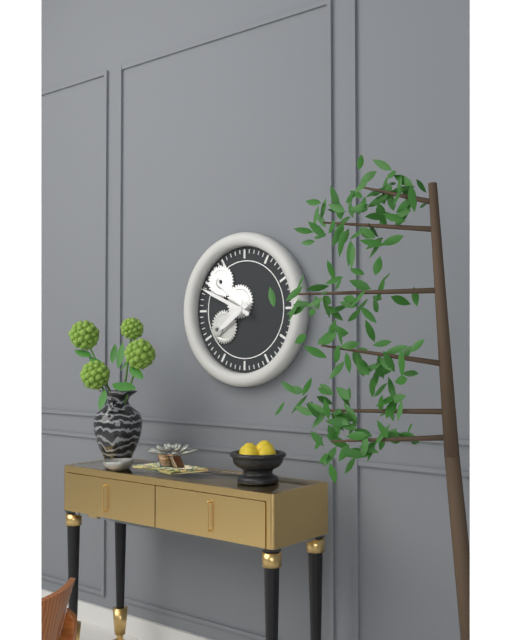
7:49
